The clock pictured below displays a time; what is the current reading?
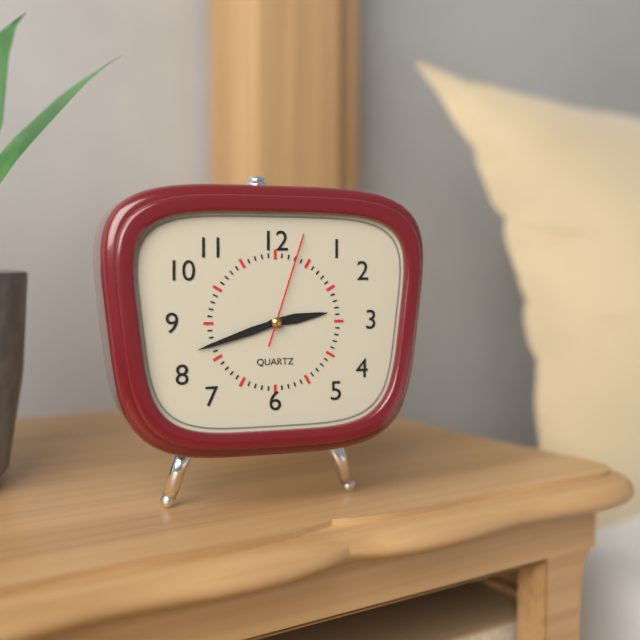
2:42:03
